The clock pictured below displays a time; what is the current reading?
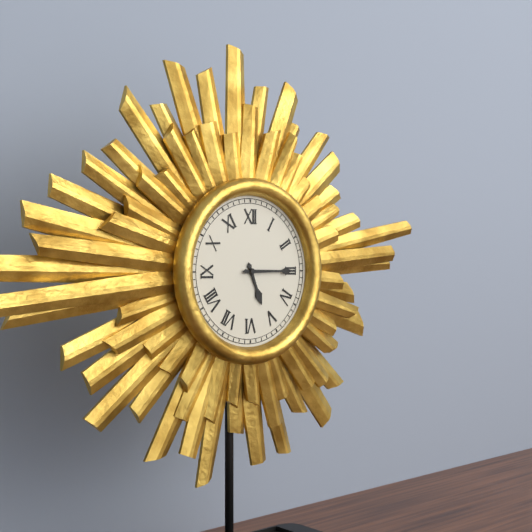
5:15
